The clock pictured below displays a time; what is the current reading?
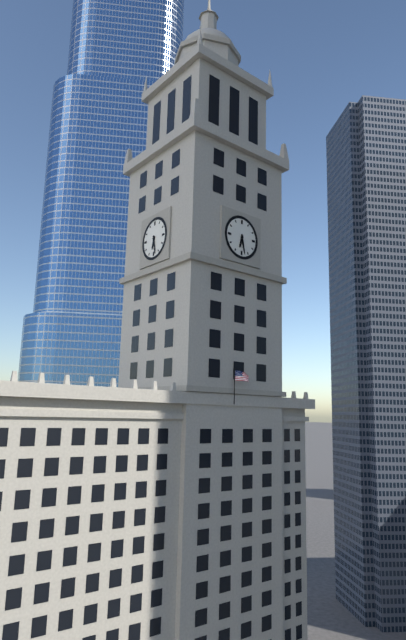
6:28
